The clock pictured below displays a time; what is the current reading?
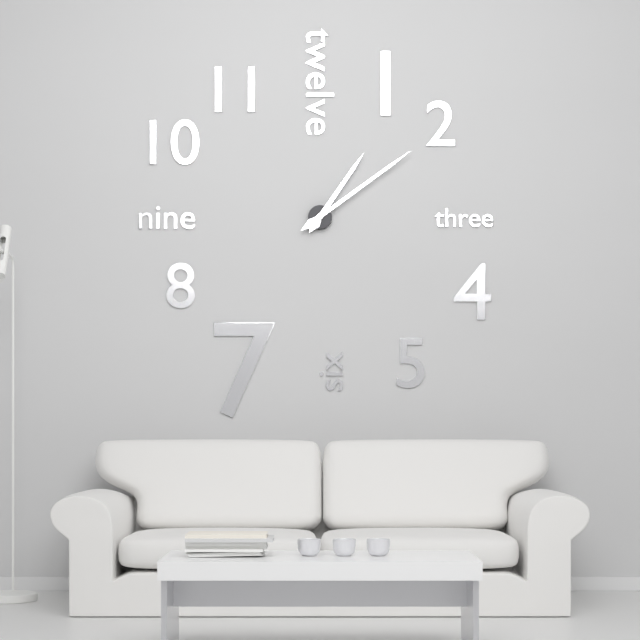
1:09
